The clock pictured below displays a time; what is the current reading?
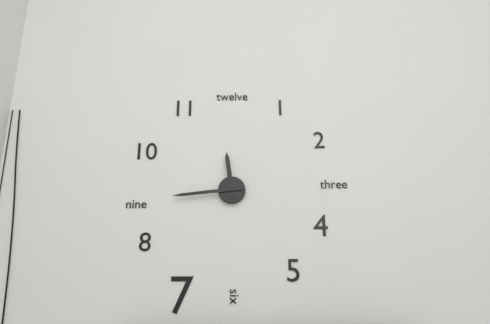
11:44
